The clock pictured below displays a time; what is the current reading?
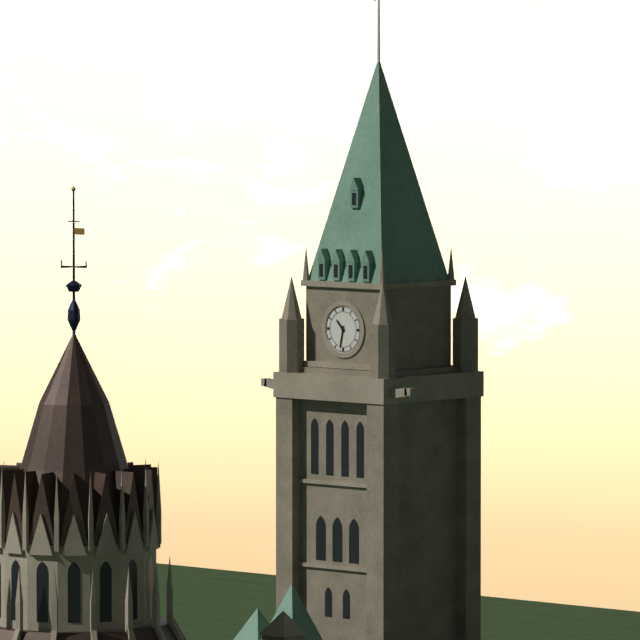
10:32
